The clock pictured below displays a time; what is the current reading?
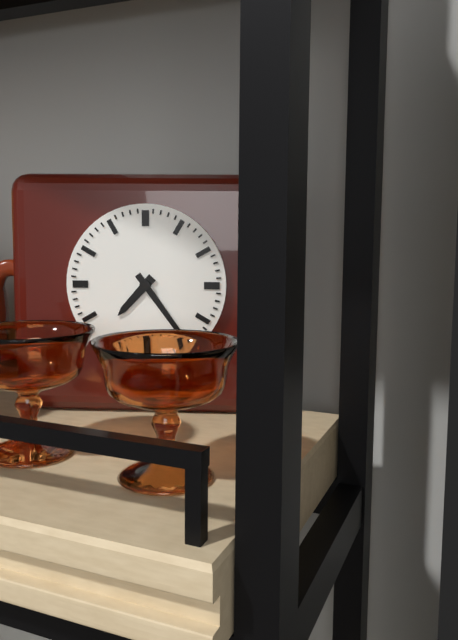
7:24
